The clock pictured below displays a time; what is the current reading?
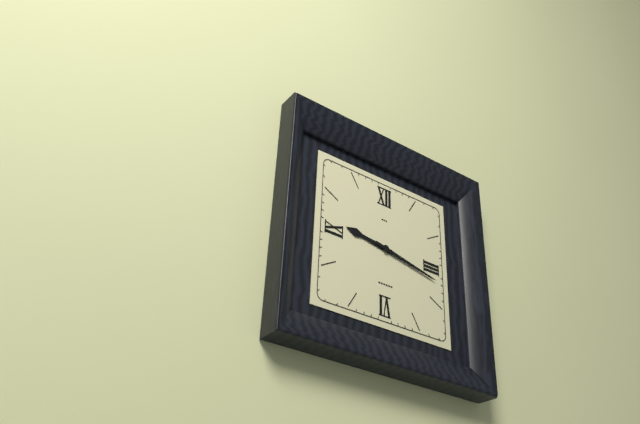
9:17
